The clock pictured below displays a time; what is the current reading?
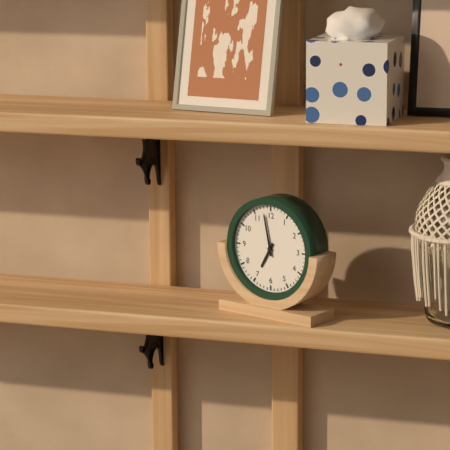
6:58
